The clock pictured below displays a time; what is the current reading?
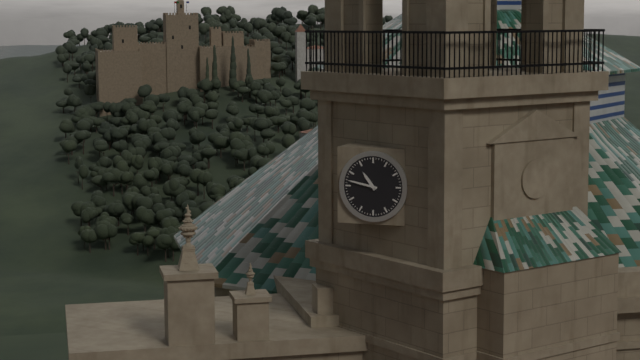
10:47
